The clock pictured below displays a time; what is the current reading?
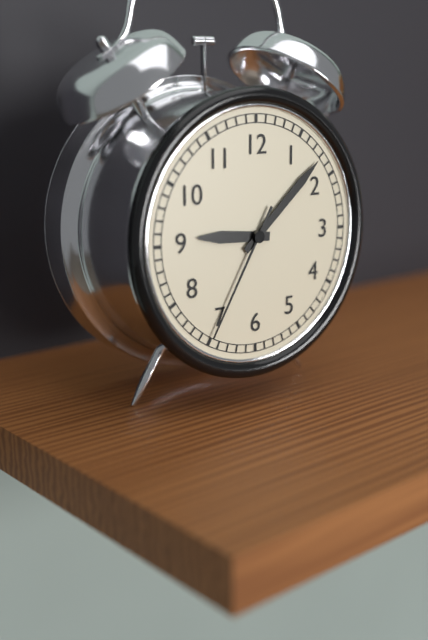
9:08:35
